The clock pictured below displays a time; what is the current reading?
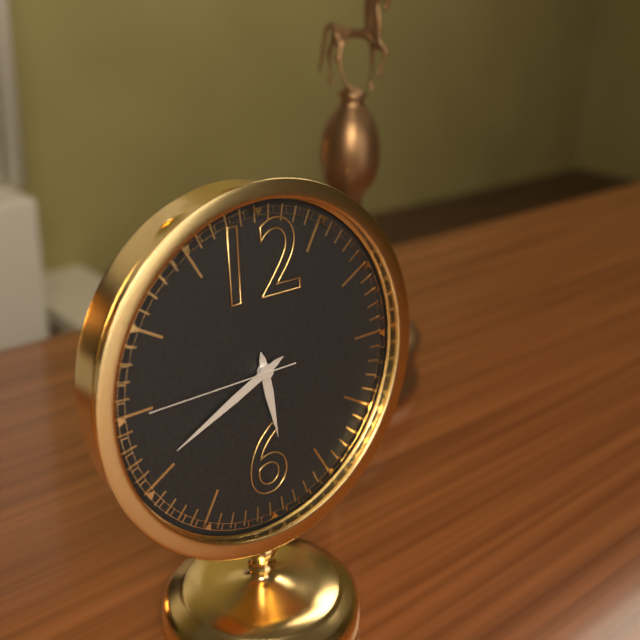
5:41:45
